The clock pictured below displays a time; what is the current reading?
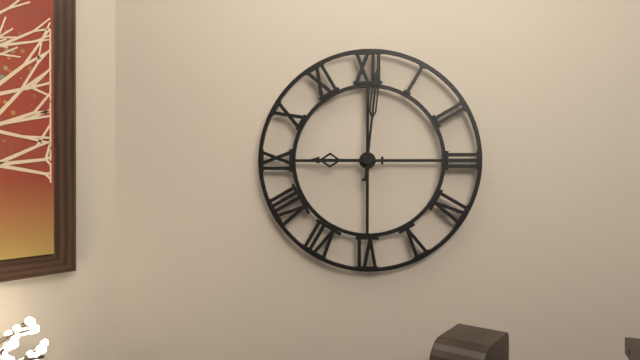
9:01
